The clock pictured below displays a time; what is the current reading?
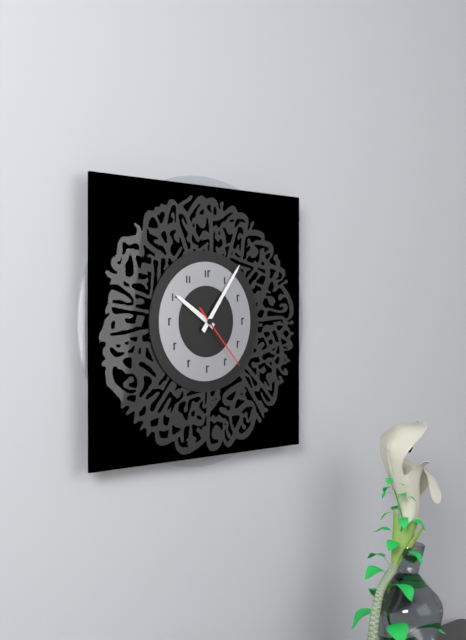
10:06:23
